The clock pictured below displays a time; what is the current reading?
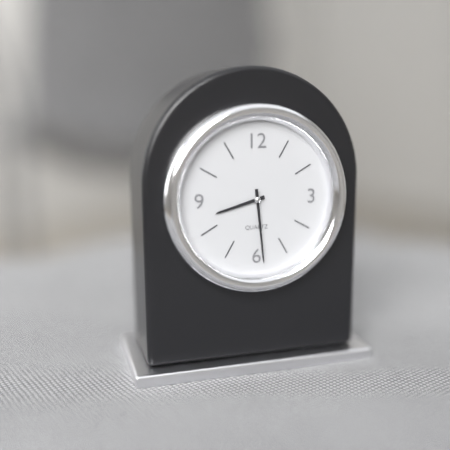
8:29
